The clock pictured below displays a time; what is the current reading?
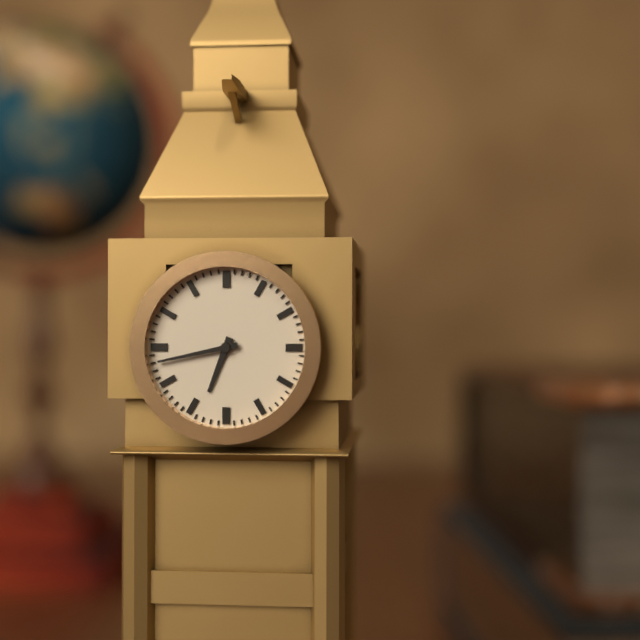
6:43
